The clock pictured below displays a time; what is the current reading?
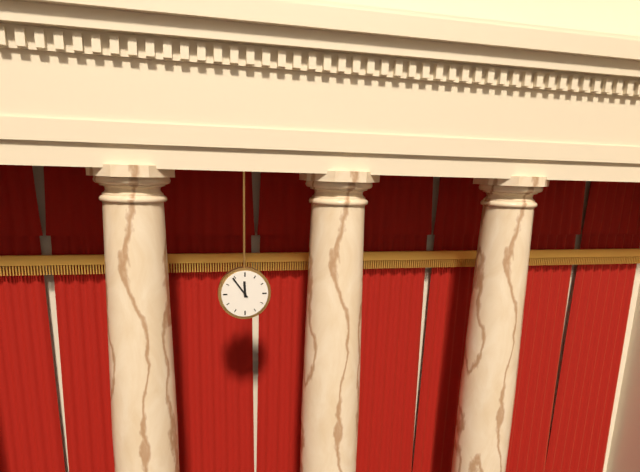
11:54
